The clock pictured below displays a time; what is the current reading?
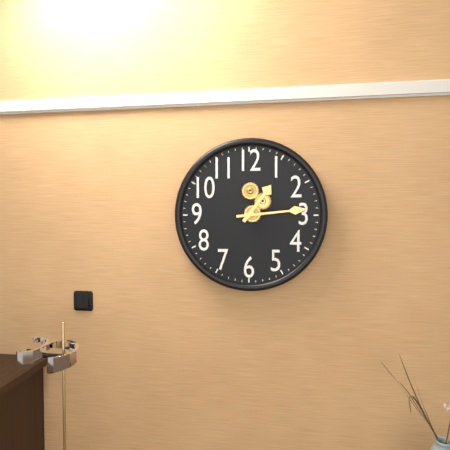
1:14
